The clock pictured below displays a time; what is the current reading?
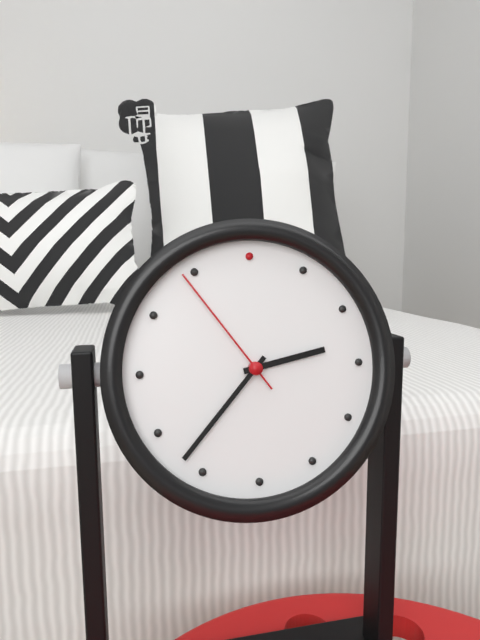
2:37:54
